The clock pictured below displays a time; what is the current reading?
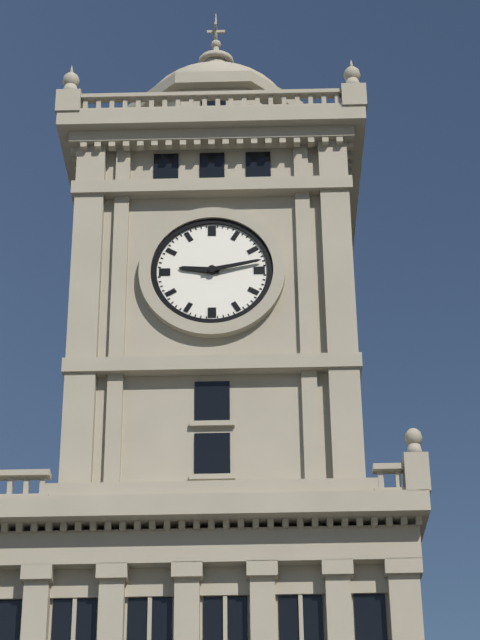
9:13
